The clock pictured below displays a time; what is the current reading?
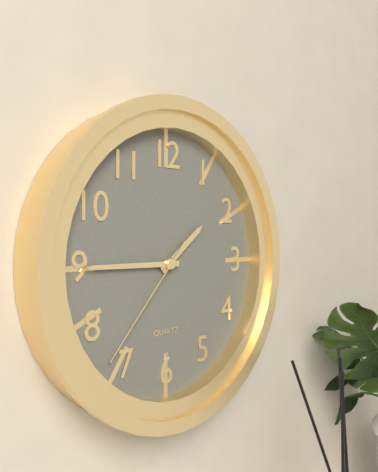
1:45:37
